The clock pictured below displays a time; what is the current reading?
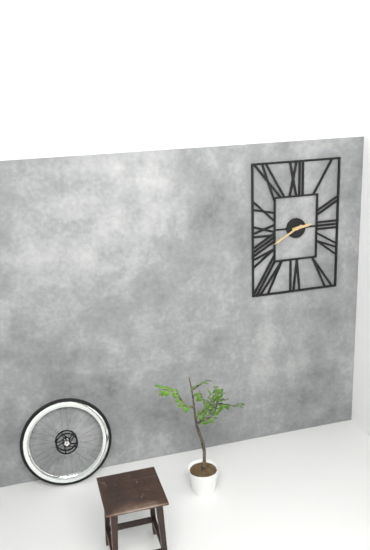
2:40
